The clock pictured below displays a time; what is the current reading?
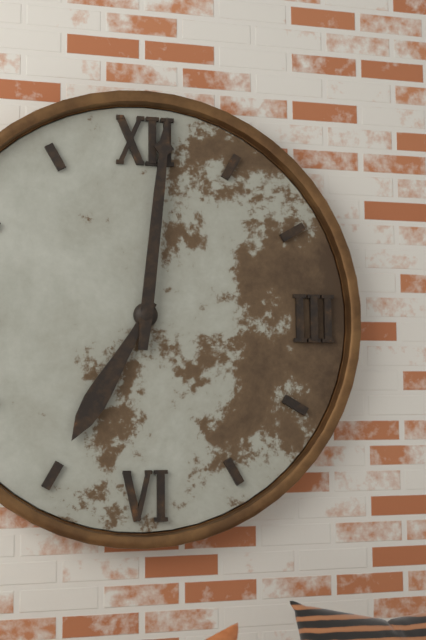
7:01
